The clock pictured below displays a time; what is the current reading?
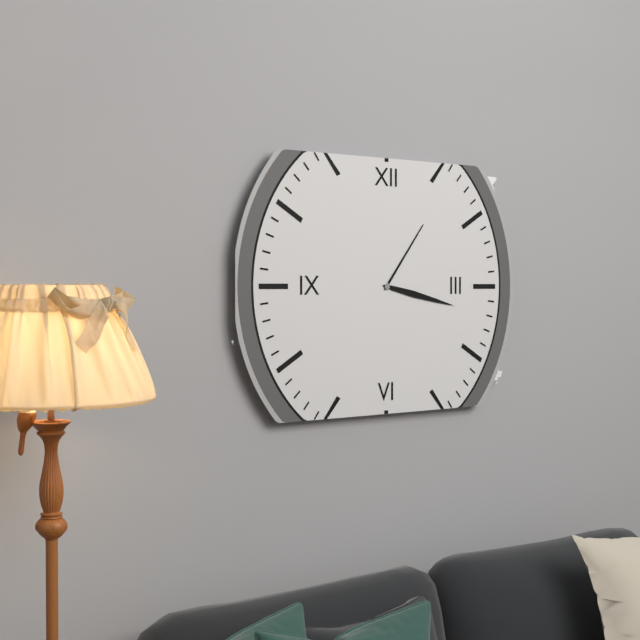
1:17
